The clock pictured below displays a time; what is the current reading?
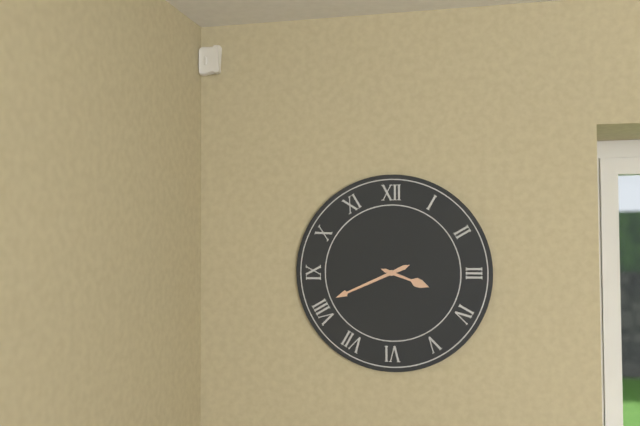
3:41
